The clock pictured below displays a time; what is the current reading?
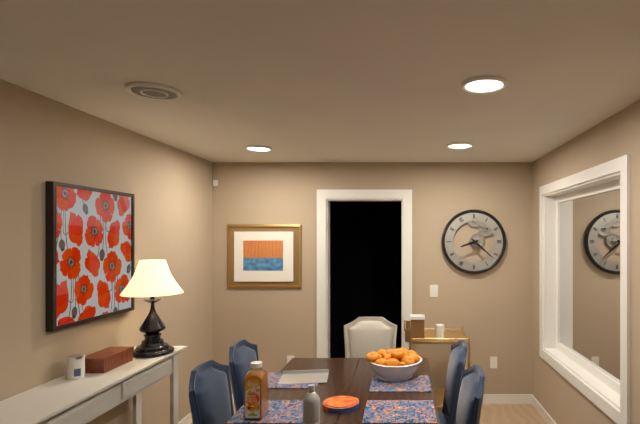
8:22
